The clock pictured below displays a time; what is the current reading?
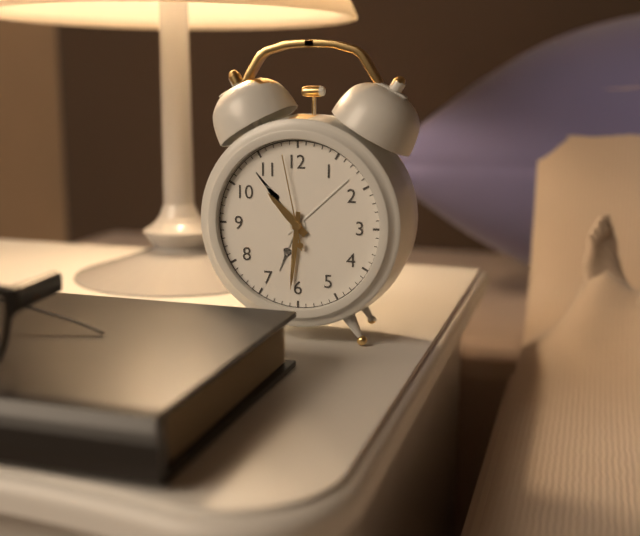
10:31:58
